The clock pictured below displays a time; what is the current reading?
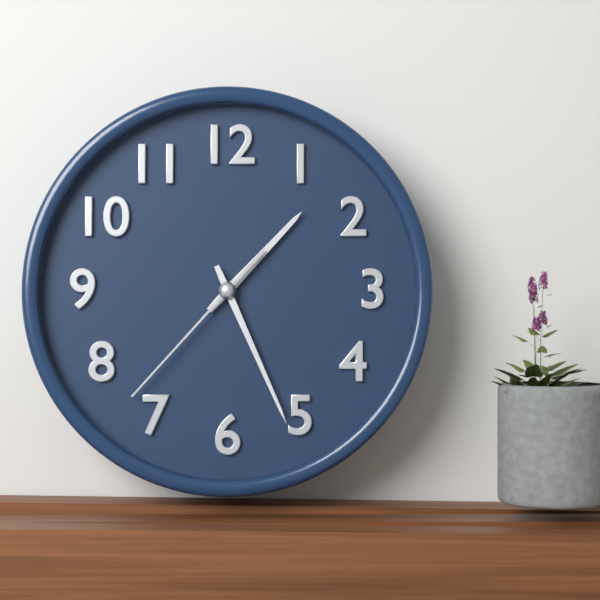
1:26:37
